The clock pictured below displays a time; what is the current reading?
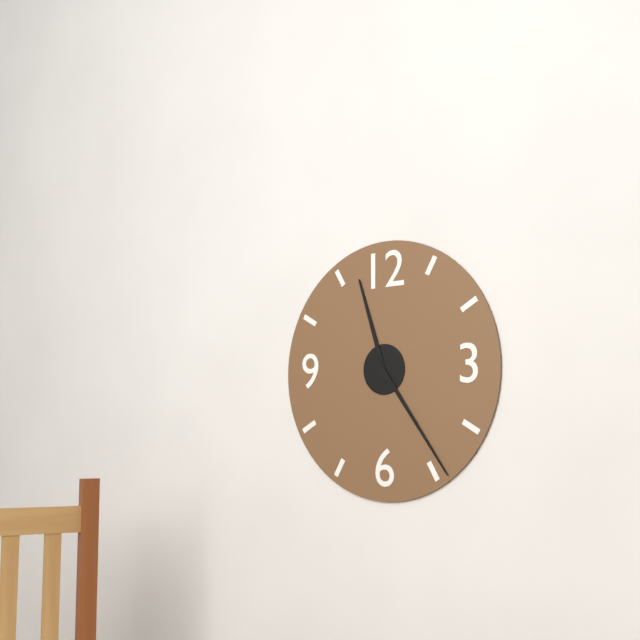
11:24
